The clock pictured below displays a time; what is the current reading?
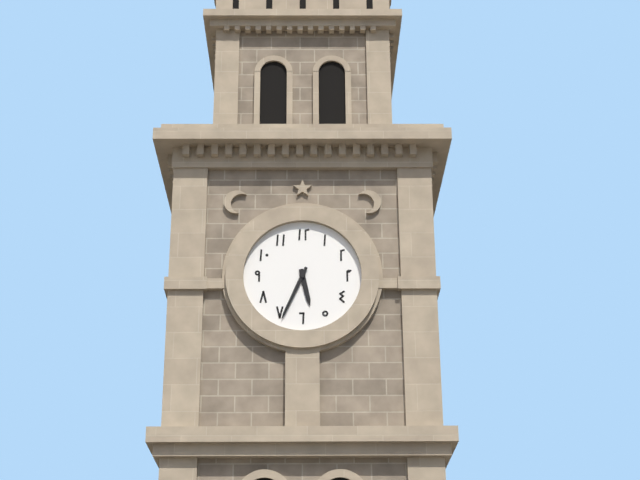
5:34
